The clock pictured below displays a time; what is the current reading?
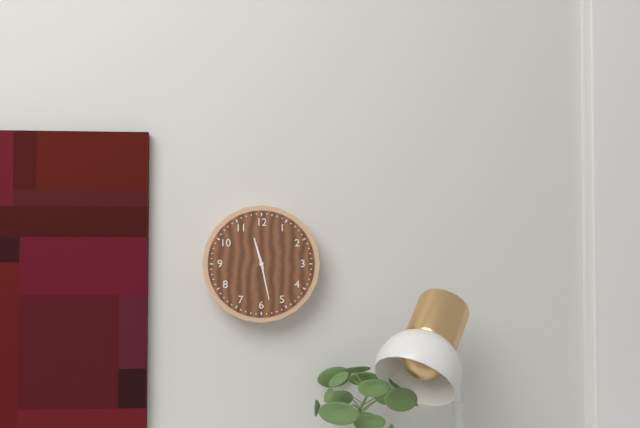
11:28
